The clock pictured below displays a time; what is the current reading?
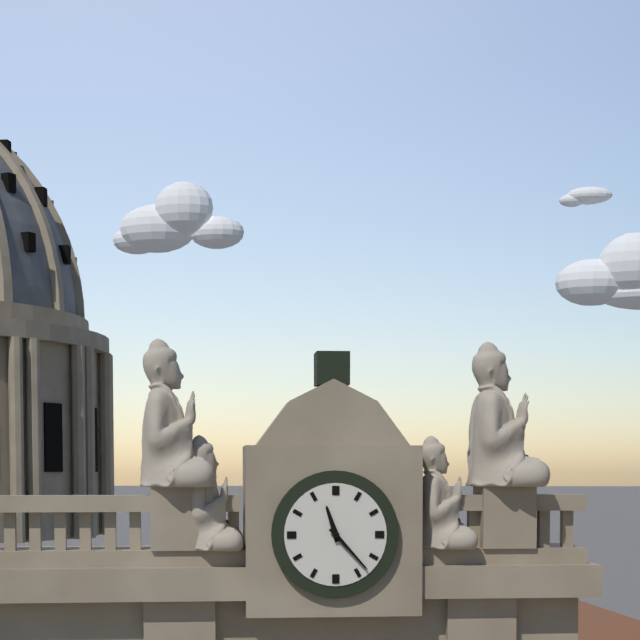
11:23
